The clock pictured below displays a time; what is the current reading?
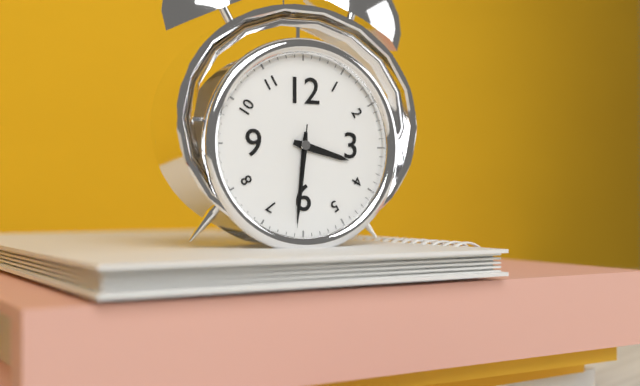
3:31:31
